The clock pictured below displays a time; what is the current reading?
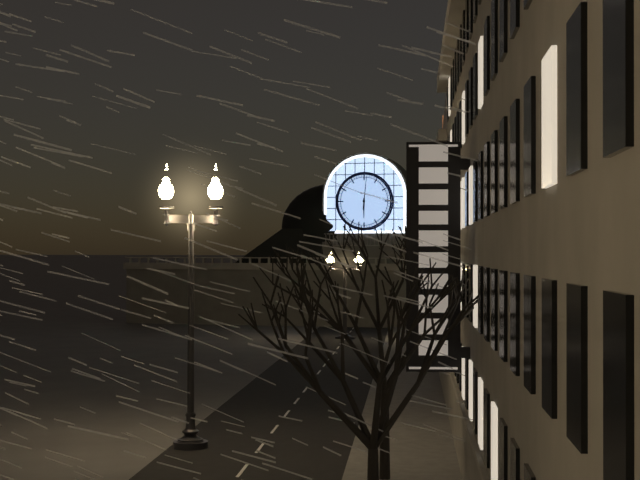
6:01
